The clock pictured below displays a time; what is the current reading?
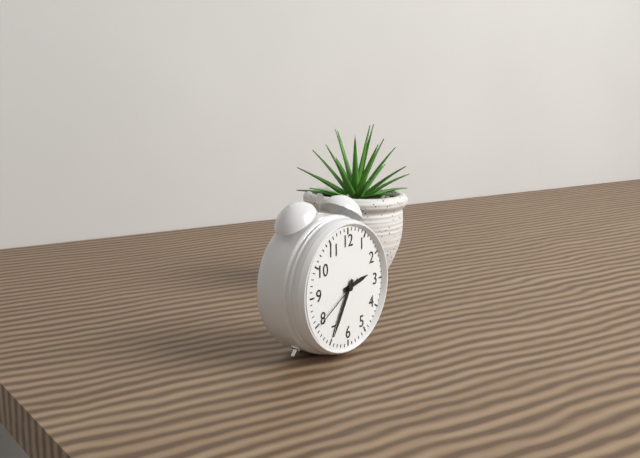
2:35:40
